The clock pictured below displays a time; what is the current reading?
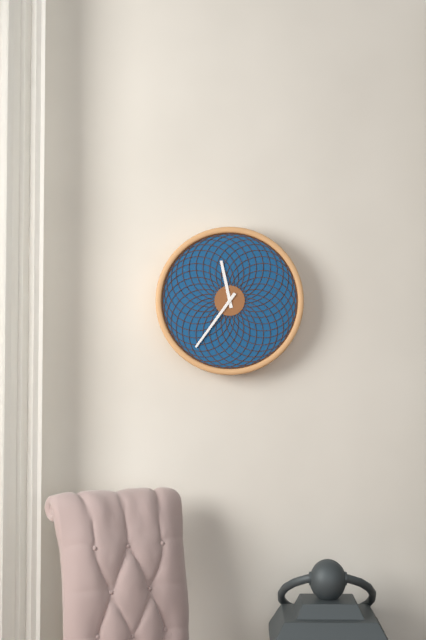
11:36
